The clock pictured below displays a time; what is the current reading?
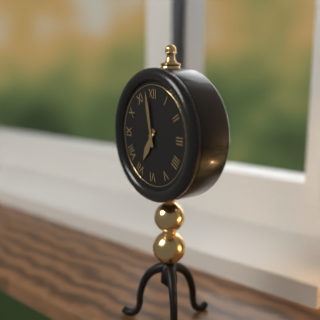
6:58
